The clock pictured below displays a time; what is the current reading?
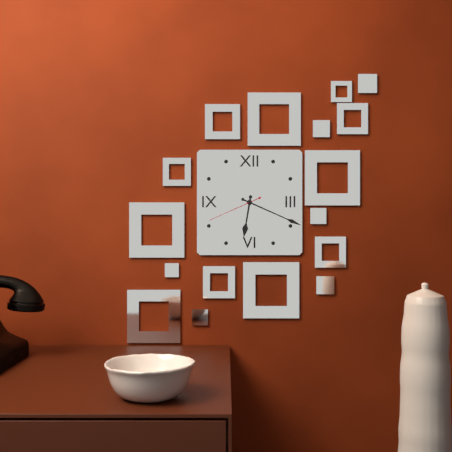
6:19:41
